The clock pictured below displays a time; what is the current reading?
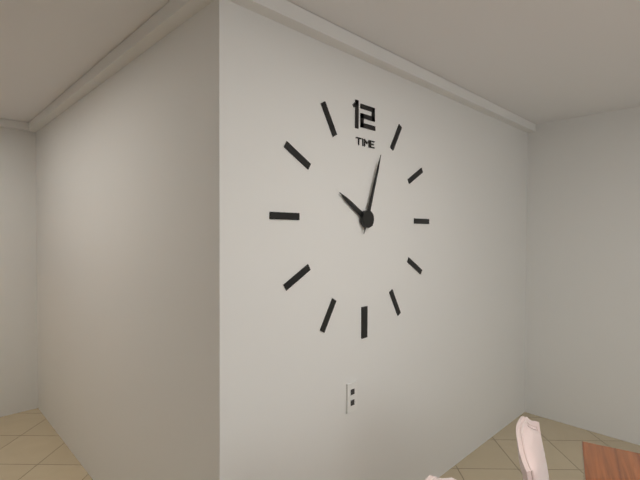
10:03
